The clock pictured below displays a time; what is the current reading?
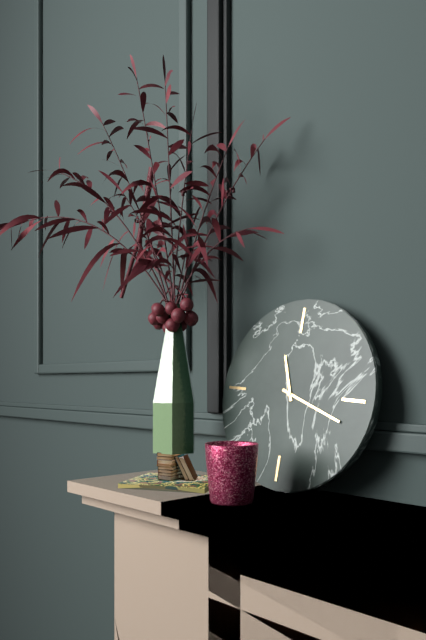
11:18
